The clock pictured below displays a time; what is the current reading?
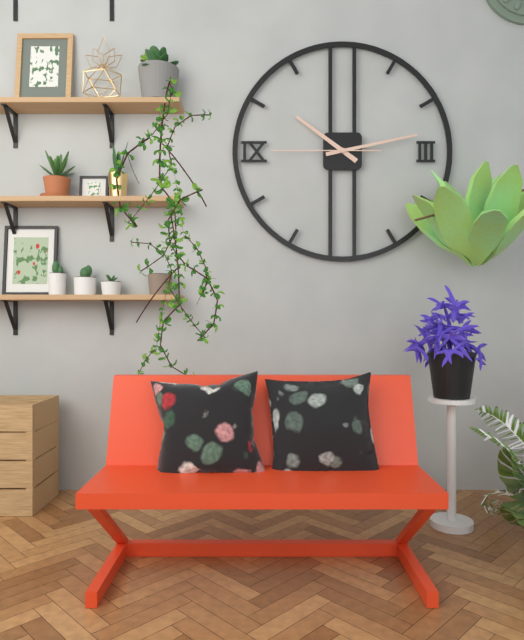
10:13:45
